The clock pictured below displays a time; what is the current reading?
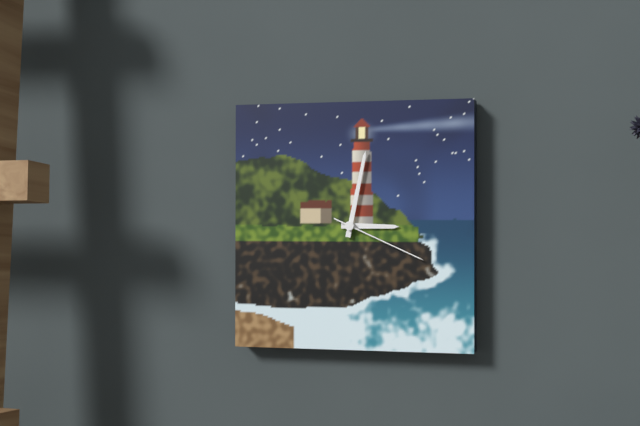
3:02:19
